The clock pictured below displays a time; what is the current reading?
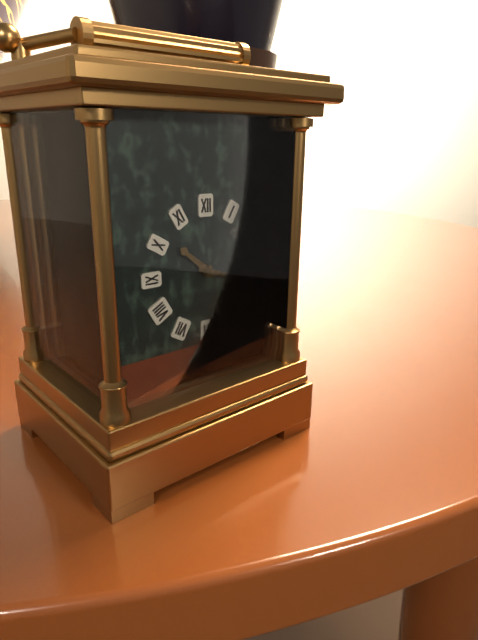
10:18
